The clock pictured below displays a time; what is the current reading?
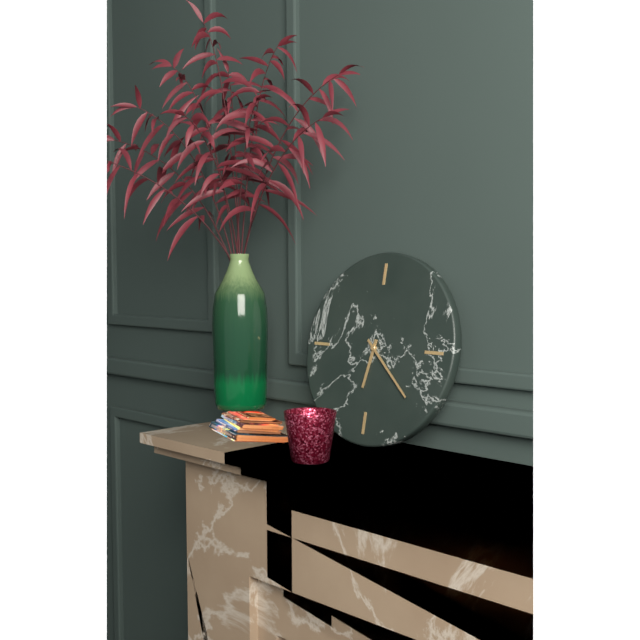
6:22
